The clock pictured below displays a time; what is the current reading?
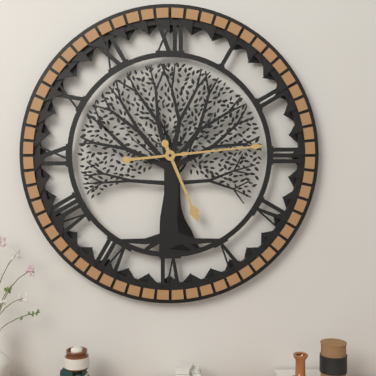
5:14
